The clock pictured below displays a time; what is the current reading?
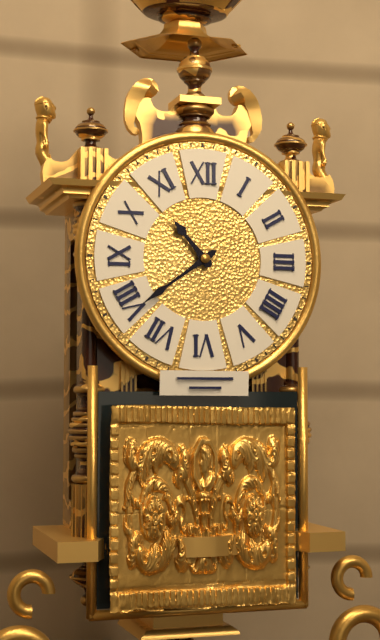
10:39
